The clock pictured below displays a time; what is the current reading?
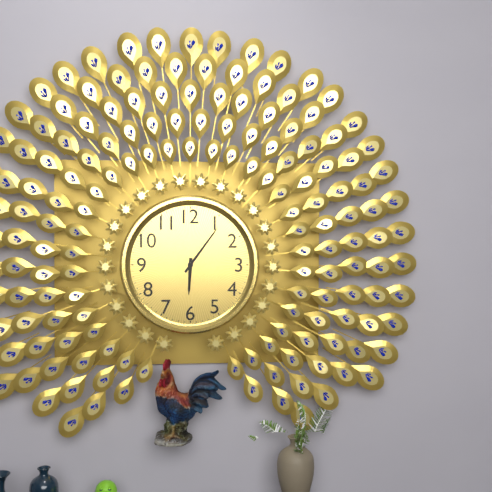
6:06
